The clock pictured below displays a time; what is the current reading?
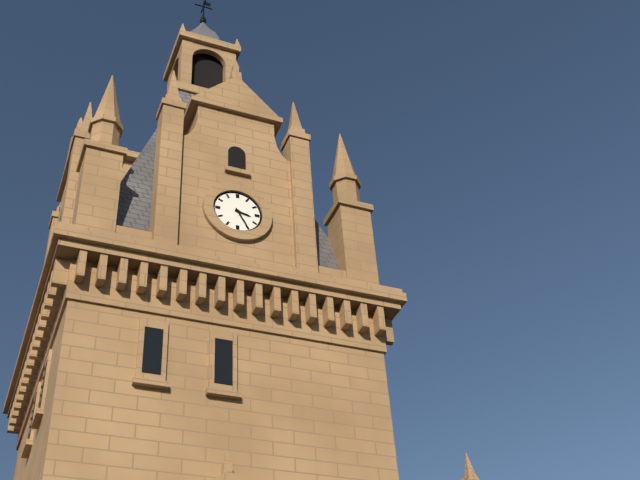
3:25
